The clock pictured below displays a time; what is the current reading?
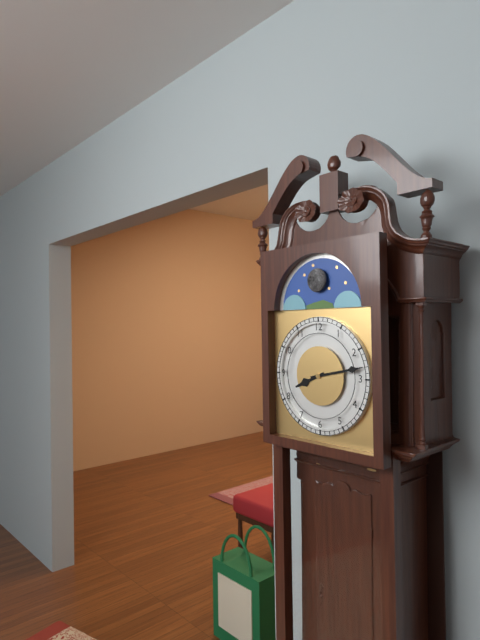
8:13
